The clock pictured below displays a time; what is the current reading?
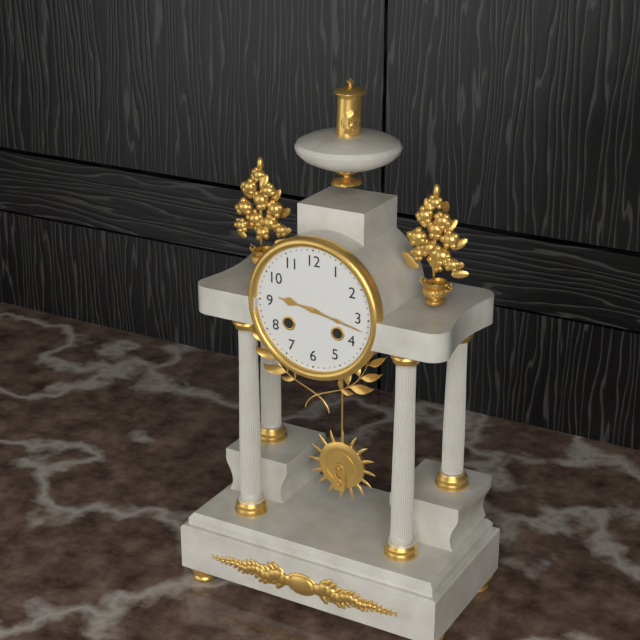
9:17
